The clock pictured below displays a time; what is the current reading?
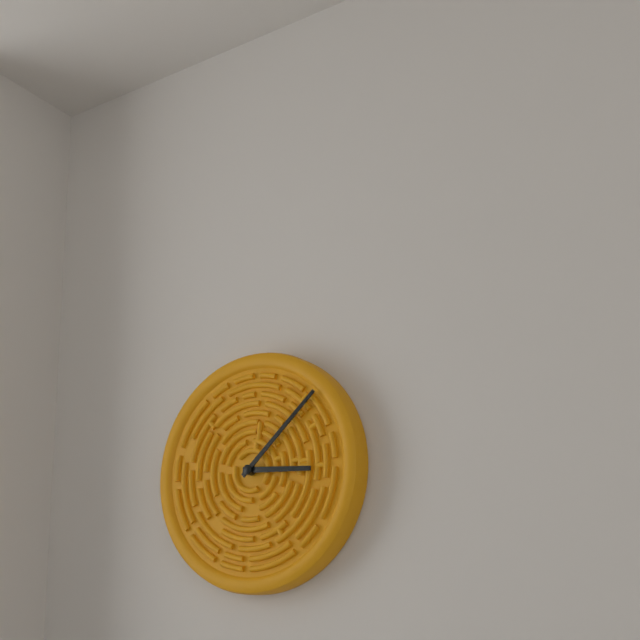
3:08
